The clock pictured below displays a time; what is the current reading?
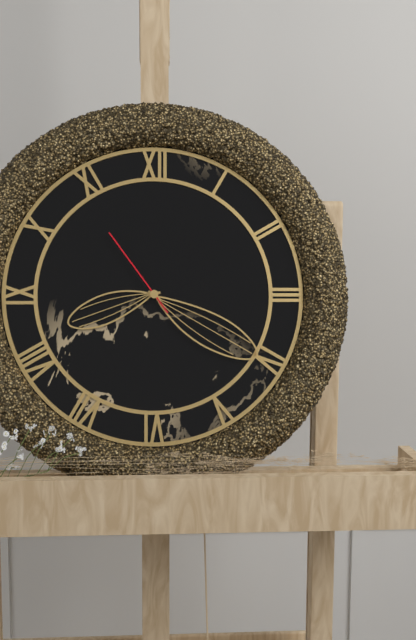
8:20:54
